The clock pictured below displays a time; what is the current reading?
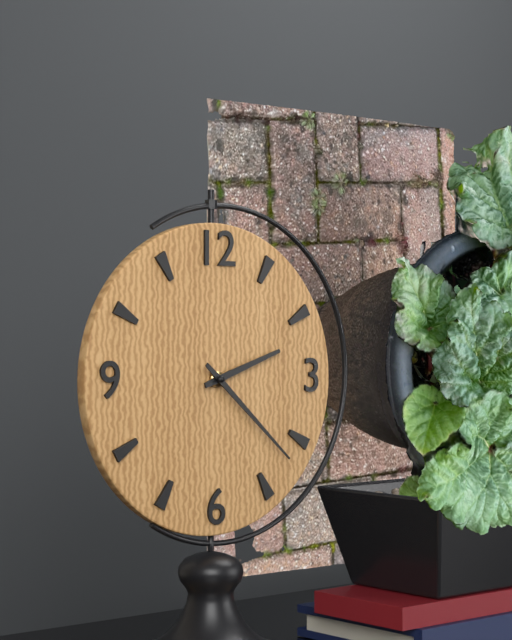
2:22
